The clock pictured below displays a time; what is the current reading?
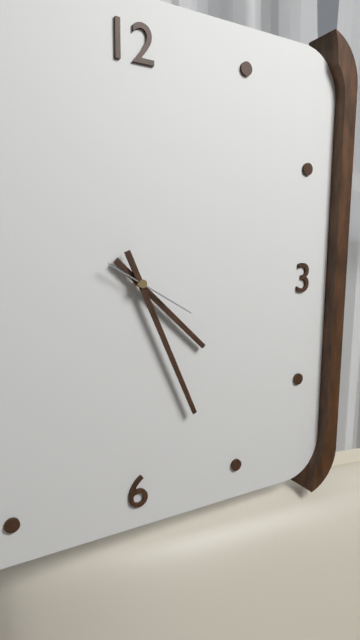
4:26:20
